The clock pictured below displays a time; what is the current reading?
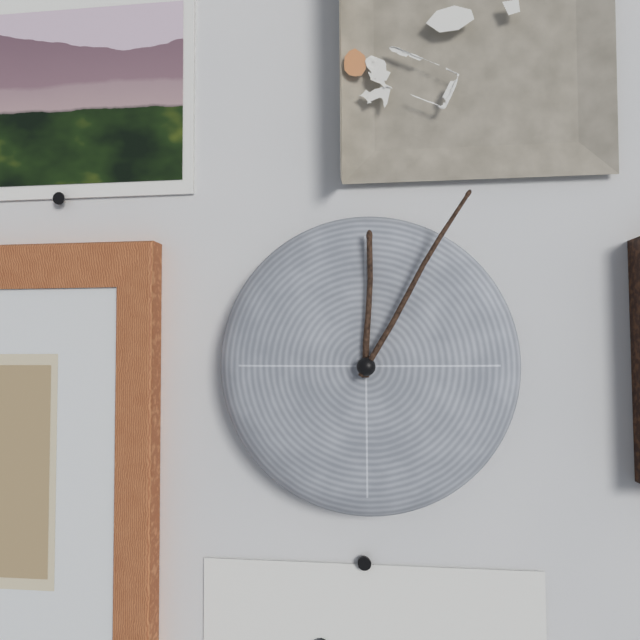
12:05
